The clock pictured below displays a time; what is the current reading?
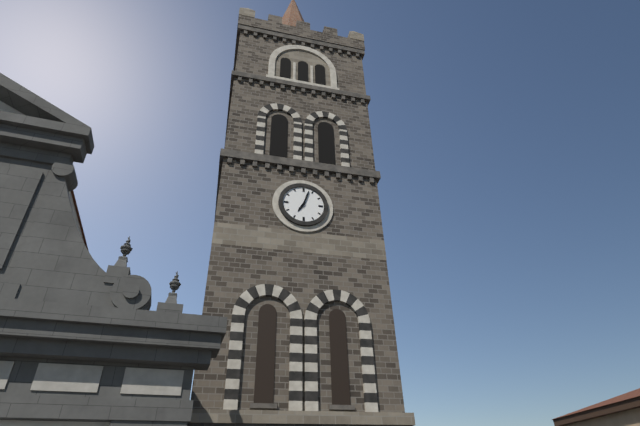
7:03
